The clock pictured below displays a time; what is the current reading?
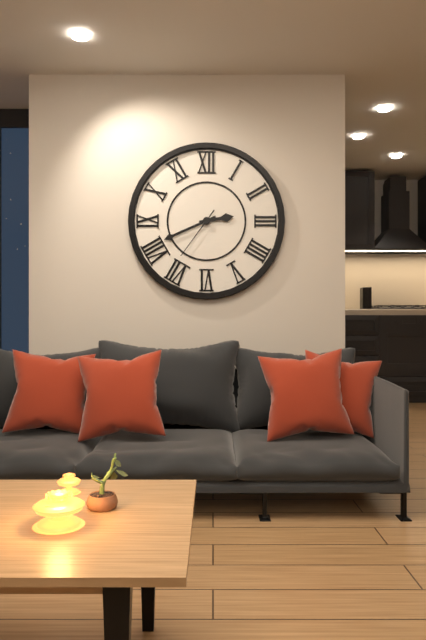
2:41:36
